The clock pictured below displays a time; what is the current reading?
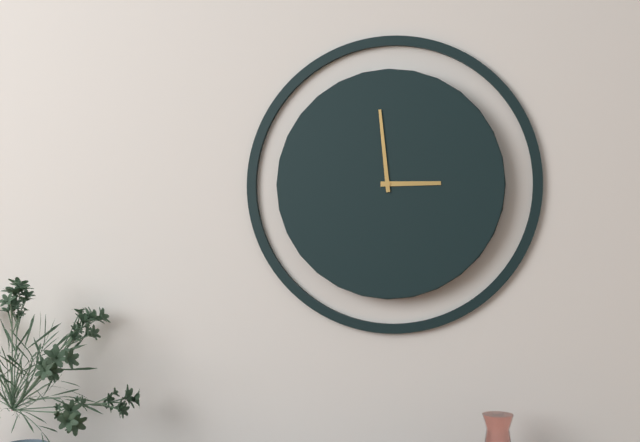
2:59
